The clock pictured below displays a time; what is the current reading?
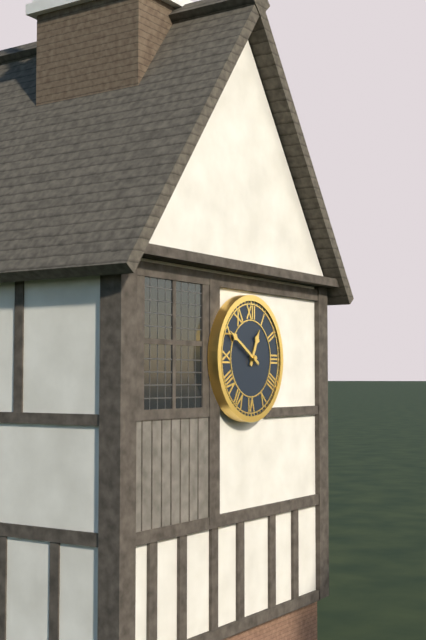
12:50
